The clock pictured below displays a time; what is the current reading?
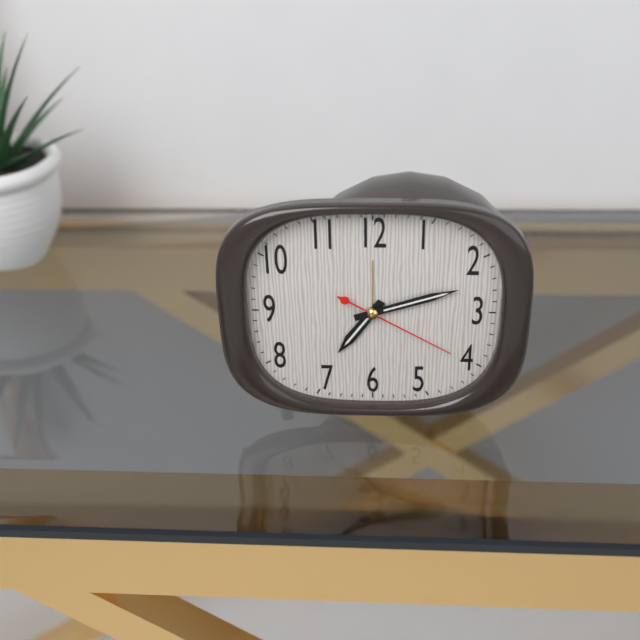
7:12:20
